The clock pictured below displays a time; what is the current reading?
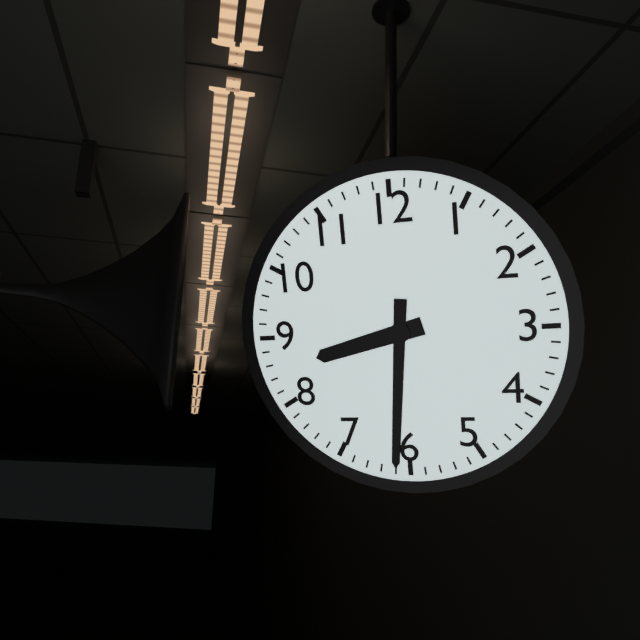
8:31
